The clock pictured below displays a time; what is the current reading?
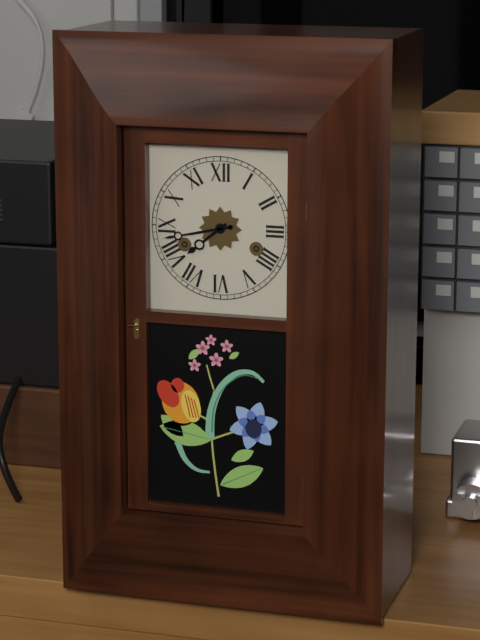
7:43
